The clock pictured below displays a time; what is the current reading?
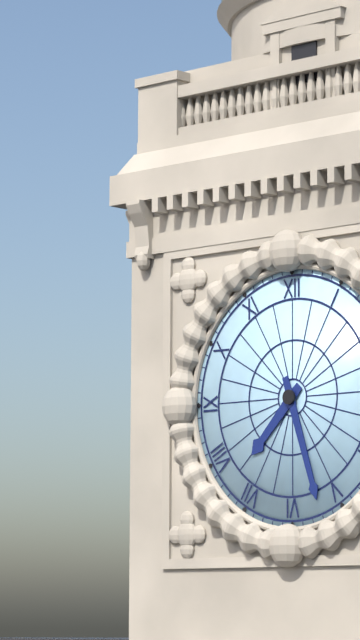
7:27
